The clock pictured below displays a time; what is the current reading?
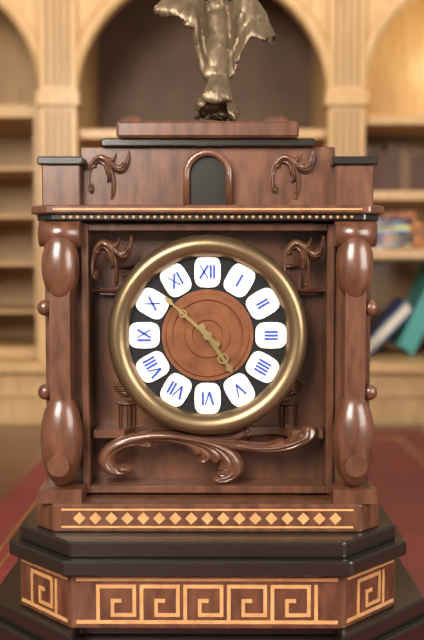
4:52
